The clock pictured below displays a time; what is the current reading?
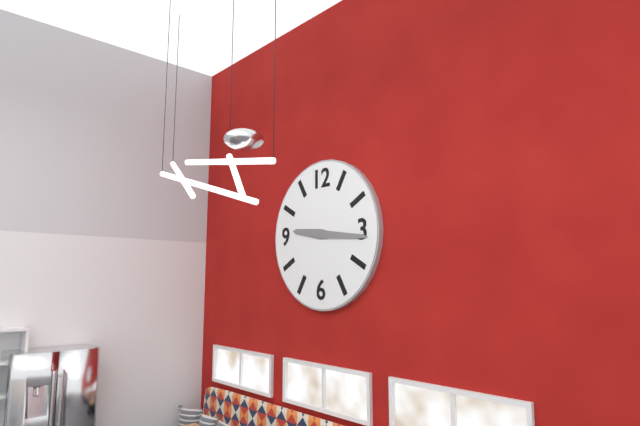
9:16
